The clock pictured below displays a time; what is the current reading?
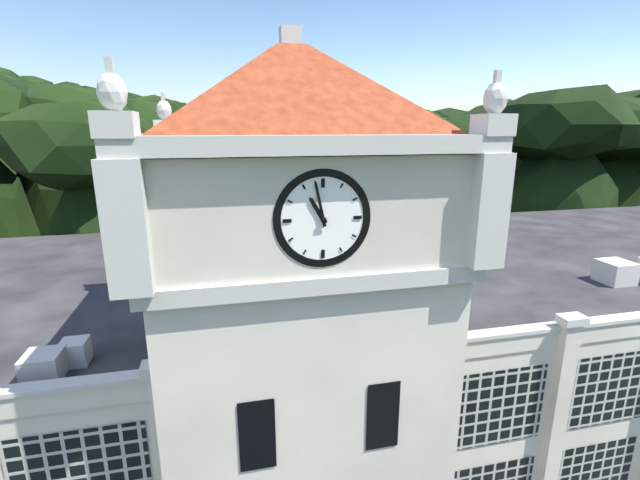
10:58
